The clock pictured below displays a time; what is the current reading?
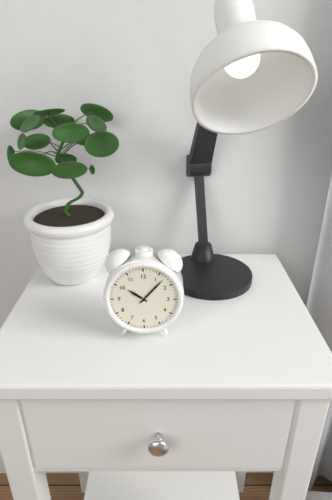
10:07
